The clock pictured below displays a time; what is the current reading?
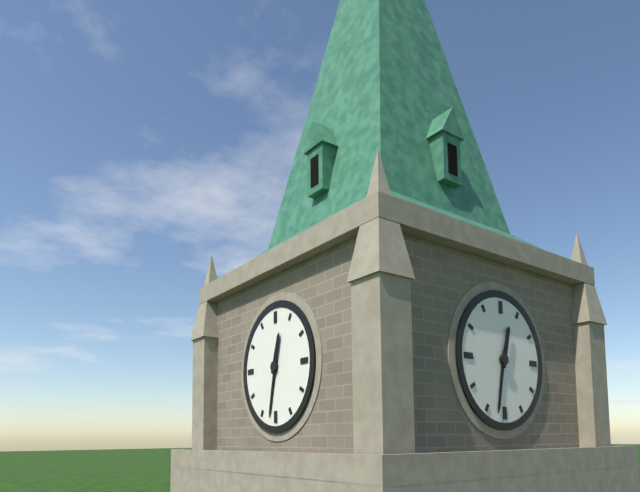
12:32
